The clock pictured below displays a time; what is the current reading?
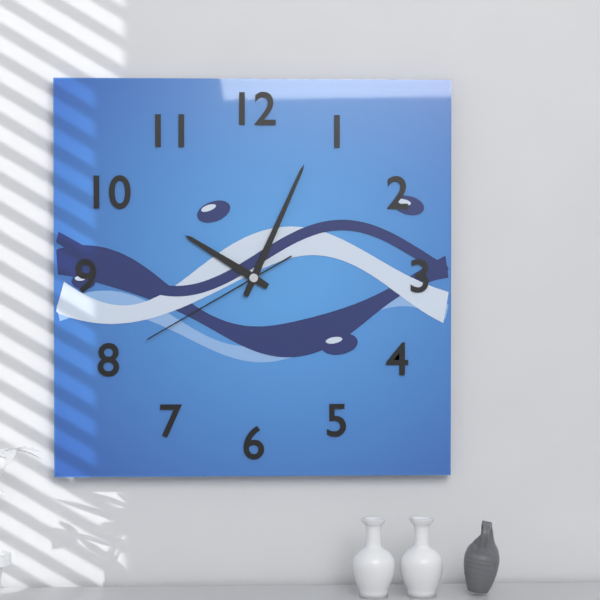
10:04:40
